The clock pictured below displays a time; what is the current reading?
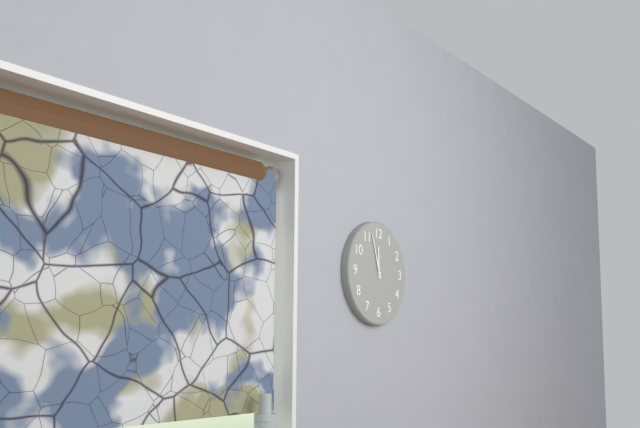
11:57
